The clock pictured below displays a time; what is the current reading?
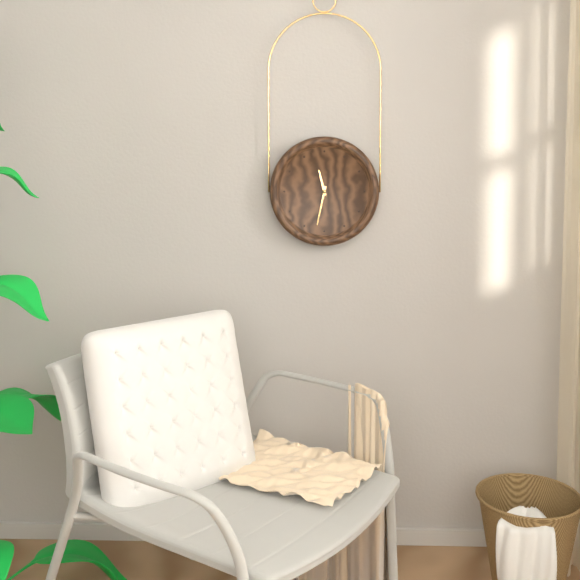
11:32
